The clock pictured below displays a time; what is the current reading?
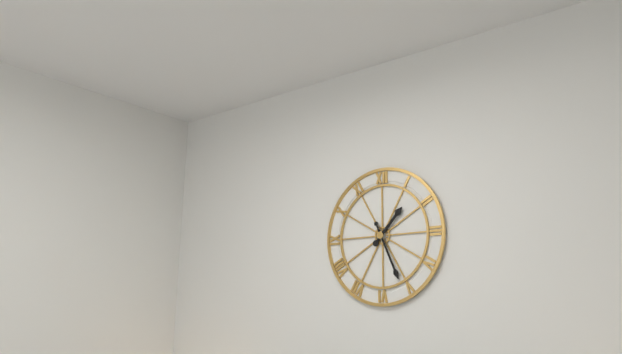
1:26
